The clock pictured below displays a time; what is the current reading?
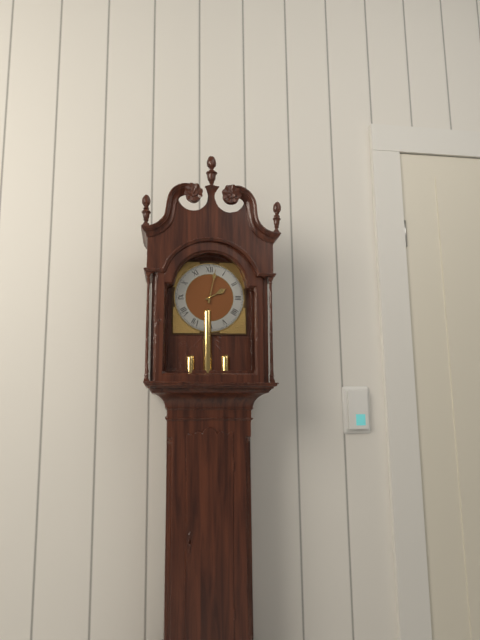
2:02
